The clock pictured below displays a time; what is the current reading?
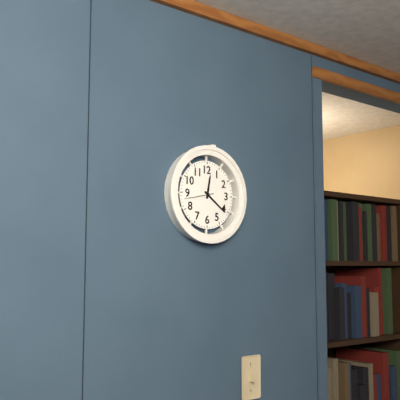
12:21
